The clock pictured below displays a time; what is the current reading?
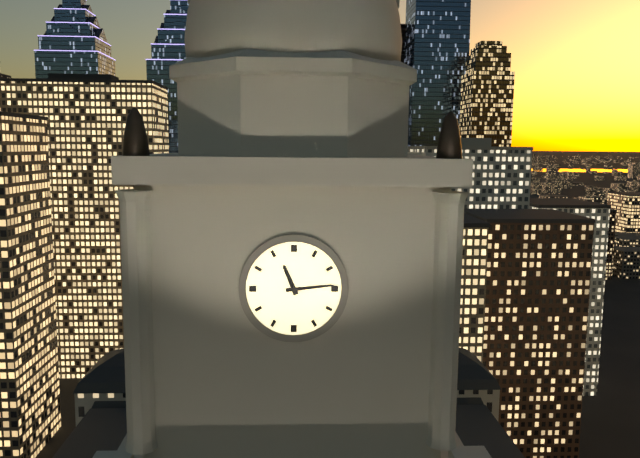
11:14
